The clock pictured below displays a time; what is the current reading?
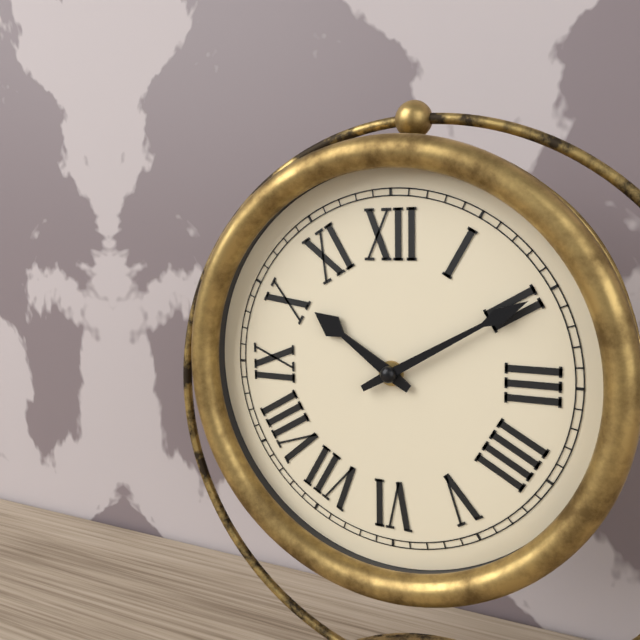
10:10
